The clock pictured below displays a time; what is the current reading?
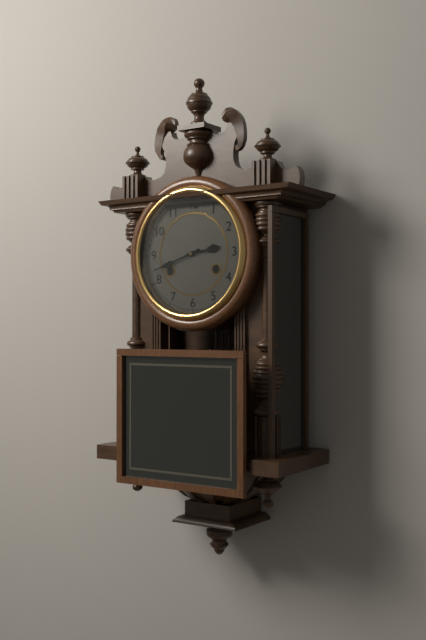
2:42
